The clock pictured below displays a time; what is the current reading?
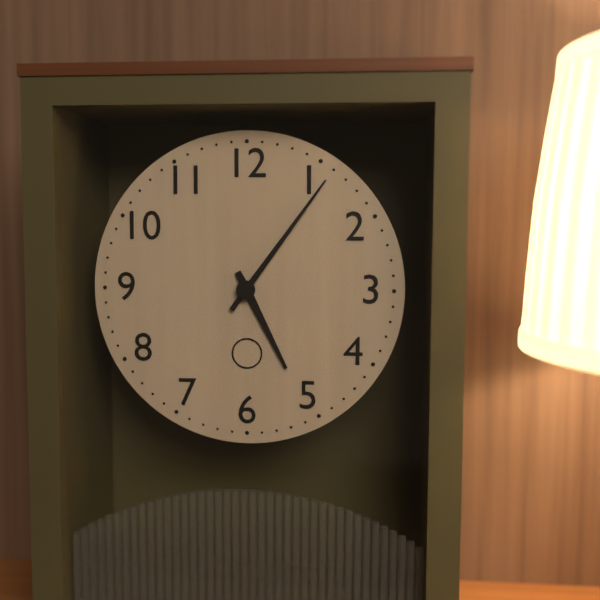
5:06
